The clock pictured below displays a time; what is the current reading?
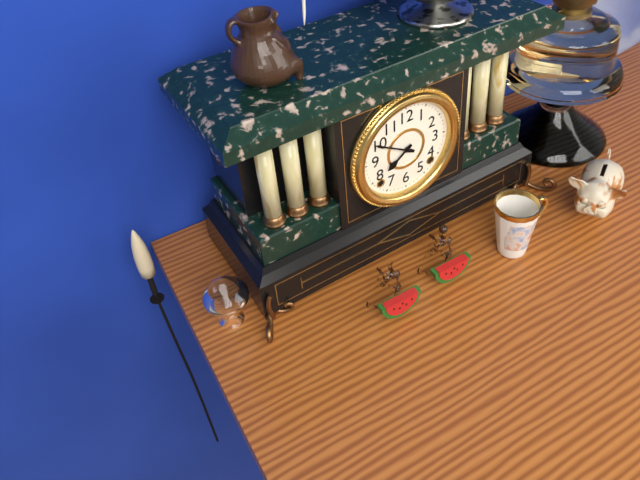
7:50
